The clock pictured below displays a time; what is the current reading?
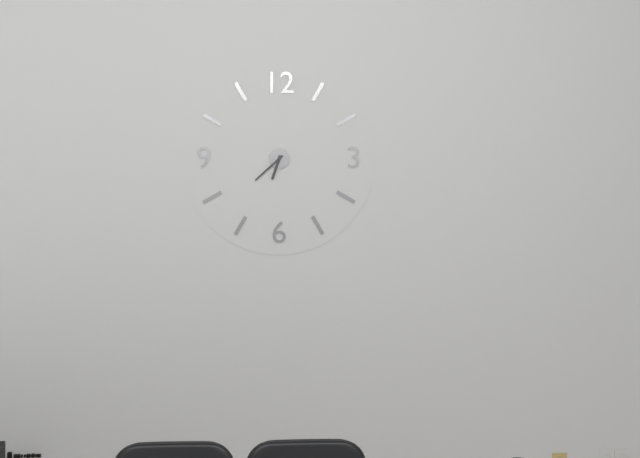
6:38
